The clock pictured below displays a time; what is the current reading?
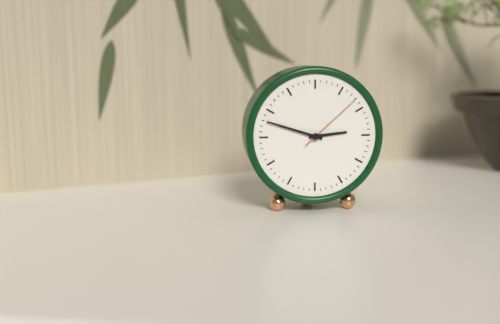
2:48:08
